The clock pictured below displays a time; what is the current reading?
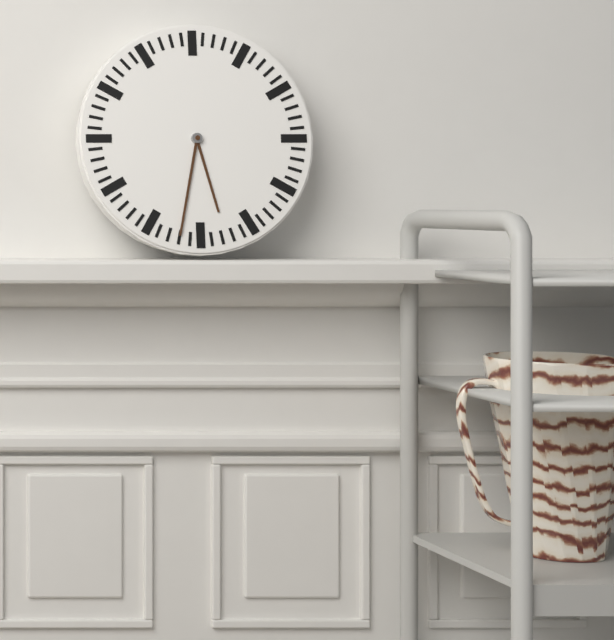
5:32
